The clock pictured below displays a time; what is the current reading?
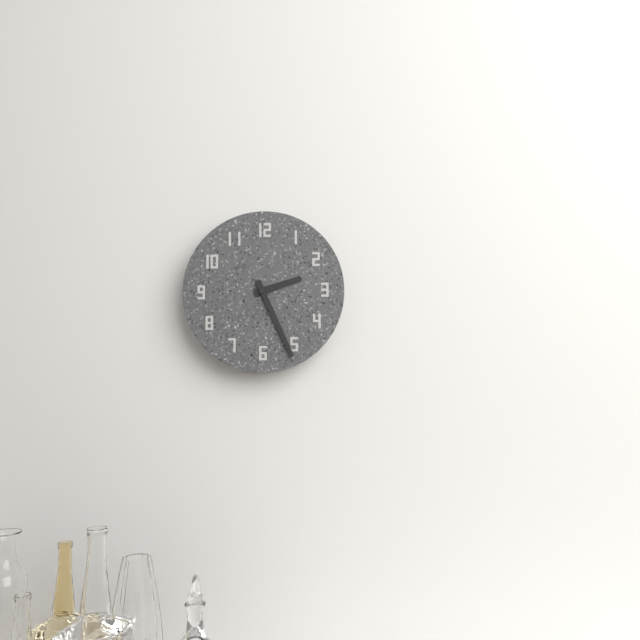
2:26
